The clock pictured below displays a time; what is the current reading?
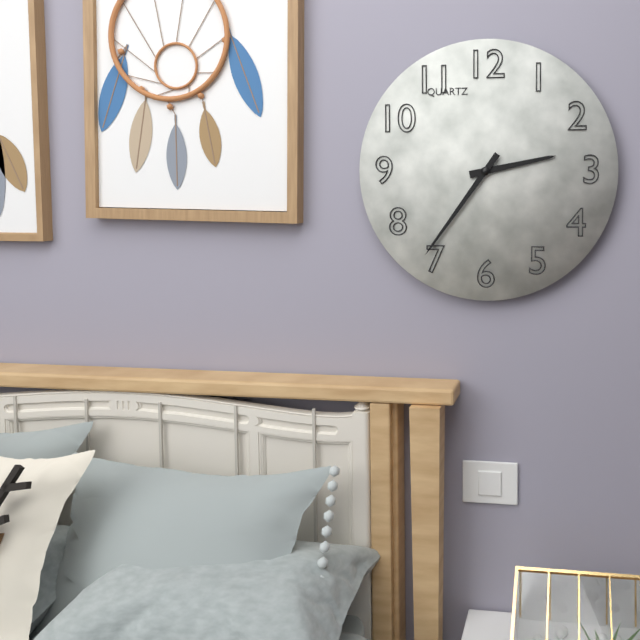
2:36
